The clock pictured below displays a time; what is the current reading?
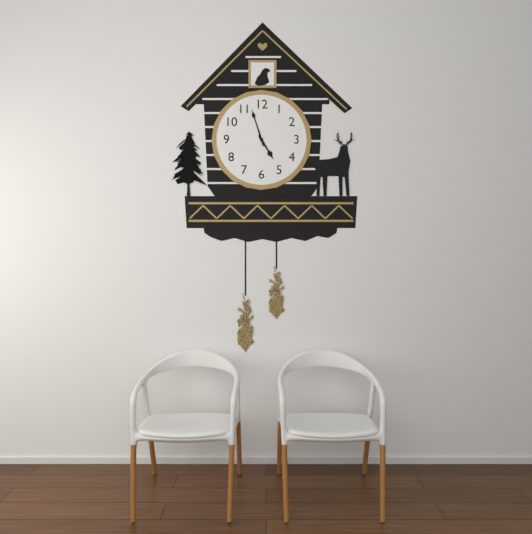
4:57
